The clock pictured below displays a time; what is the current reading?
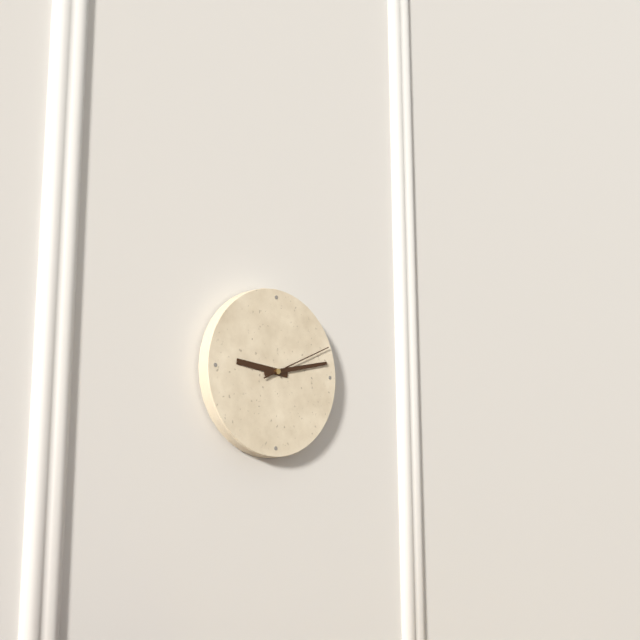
9:13:11
